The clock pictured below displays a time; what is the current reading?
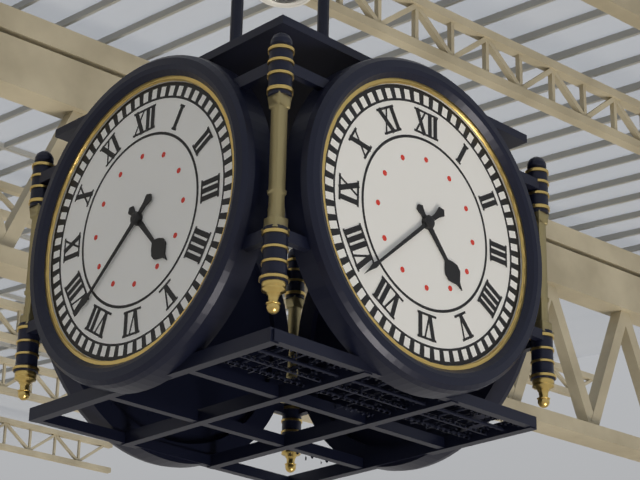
4:38
